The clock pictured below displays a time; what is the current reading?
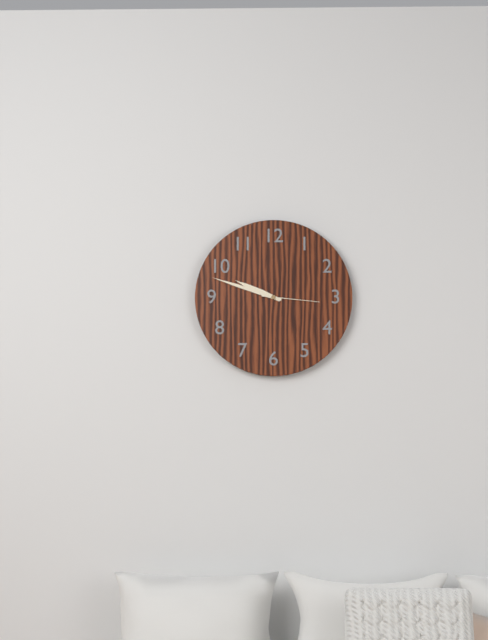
9:48:16
